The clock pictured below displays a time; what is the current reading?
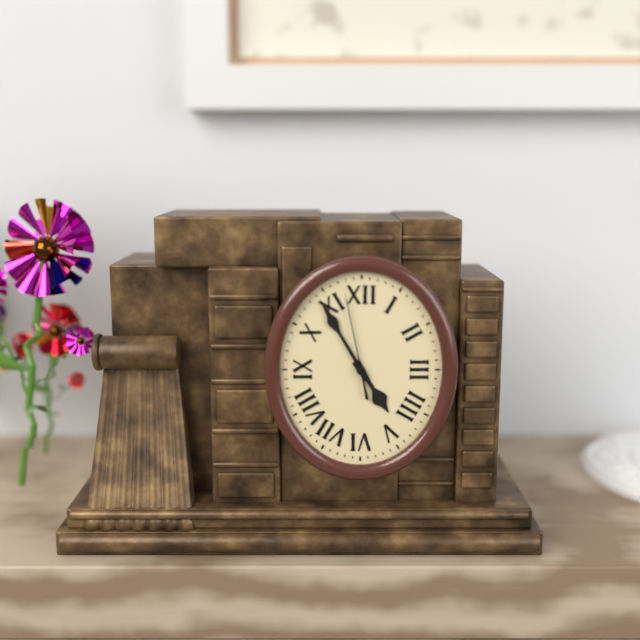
4:55:58
